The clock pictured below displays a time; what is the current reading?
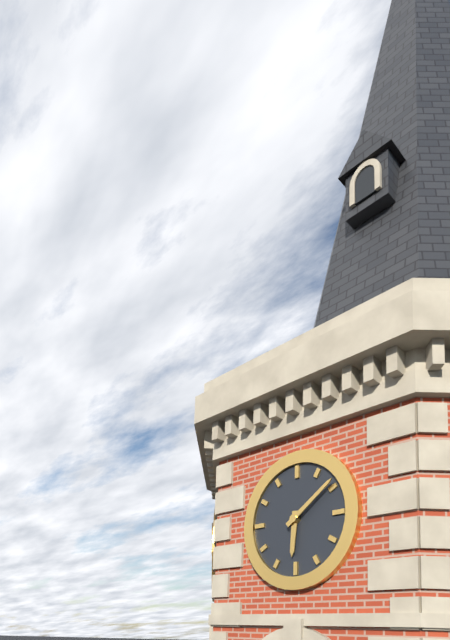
6:09
